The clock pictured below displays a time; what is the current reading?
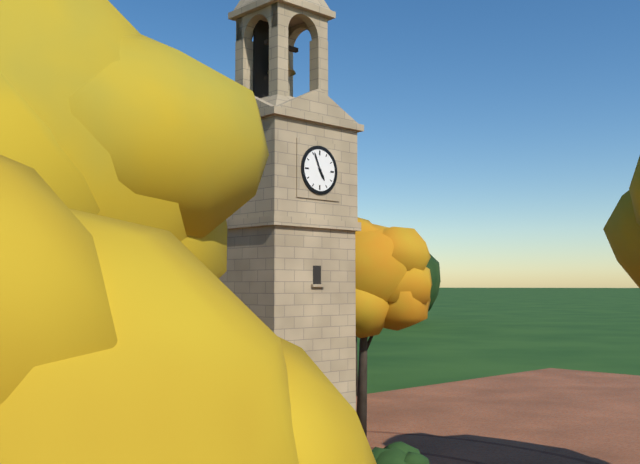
4:56
